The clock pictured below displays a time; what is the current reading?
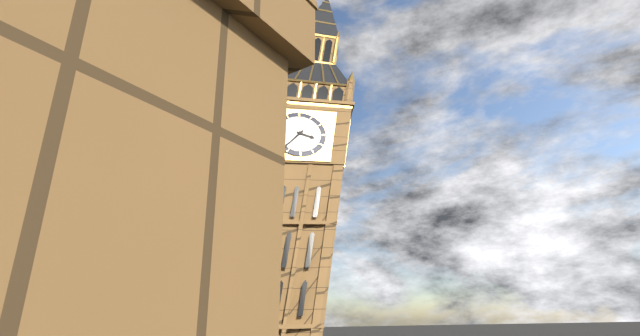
3:37
